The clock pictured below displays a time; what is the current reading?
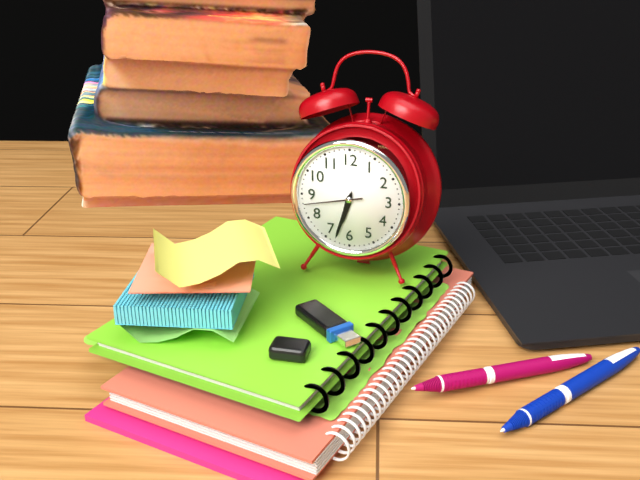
6:33:43
